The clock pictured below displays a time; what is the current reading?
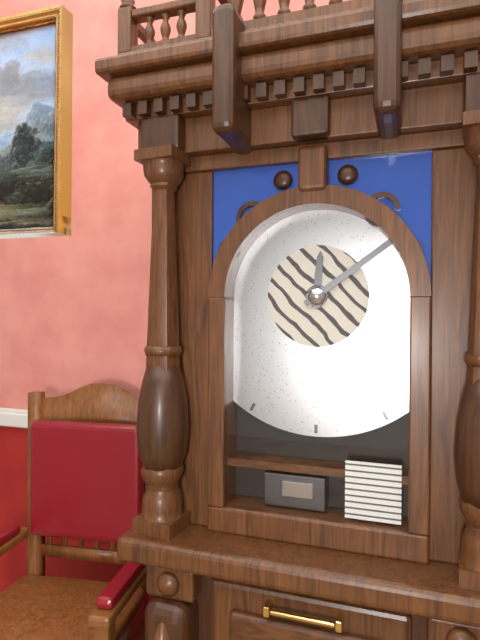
12:09
